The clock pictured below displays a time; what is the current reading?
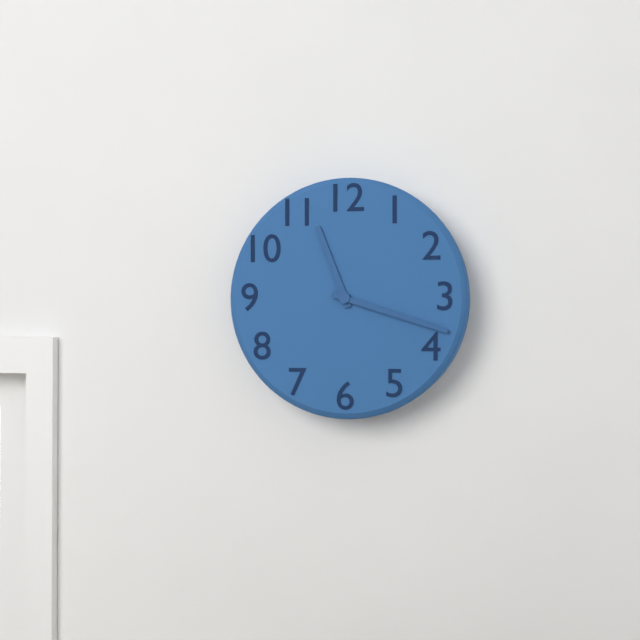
11:18
